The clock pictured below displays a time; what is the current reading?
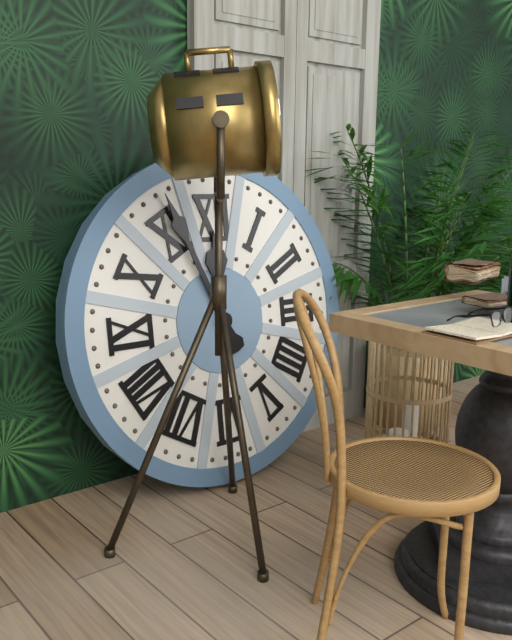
11:56
